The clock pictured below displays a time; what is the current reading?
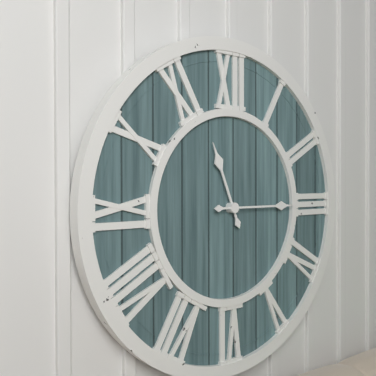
11:15
